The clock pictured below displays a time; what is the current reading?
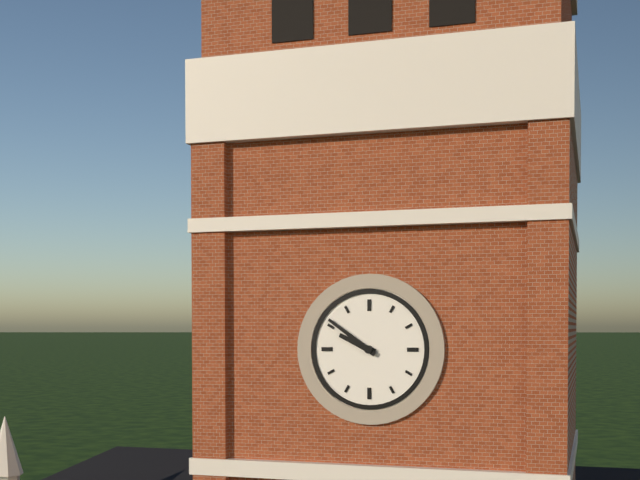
9:51
